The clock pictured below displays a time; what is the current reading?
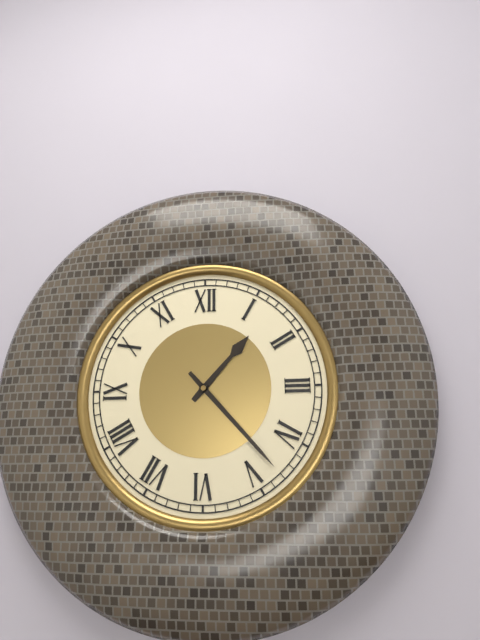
1:23
